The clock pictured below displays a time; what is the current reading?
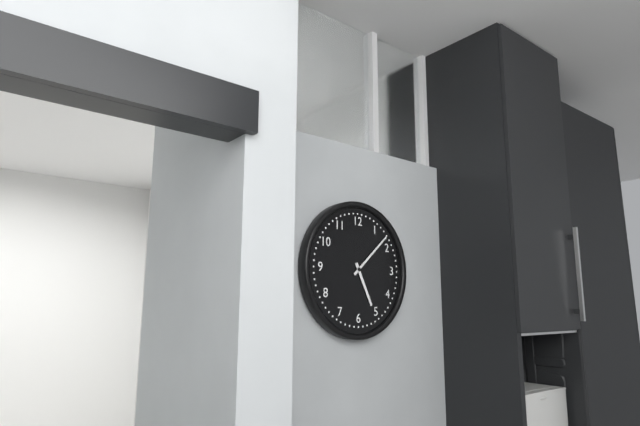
5:08
